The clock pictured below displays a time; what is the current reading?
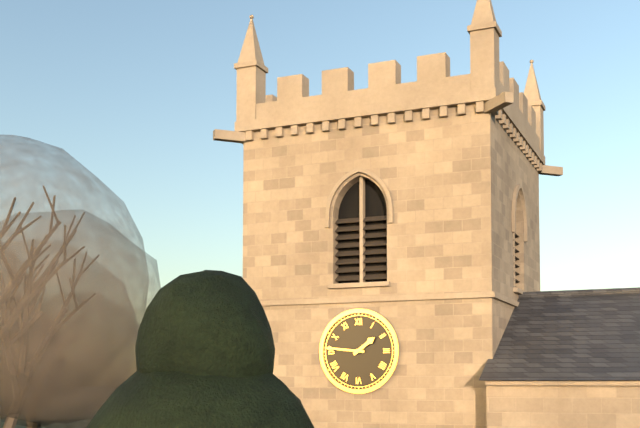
1:46
